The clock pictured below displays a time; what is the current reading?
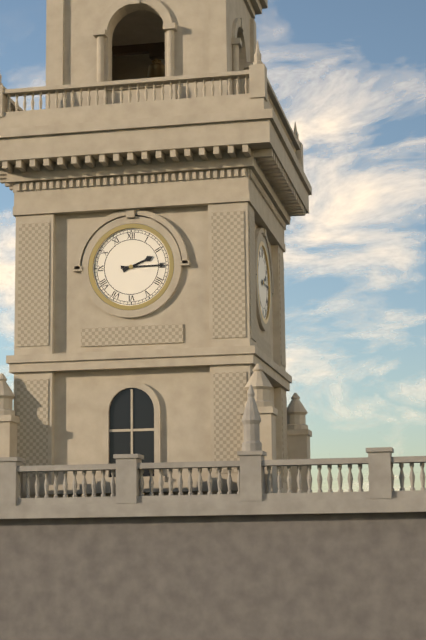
2:15
